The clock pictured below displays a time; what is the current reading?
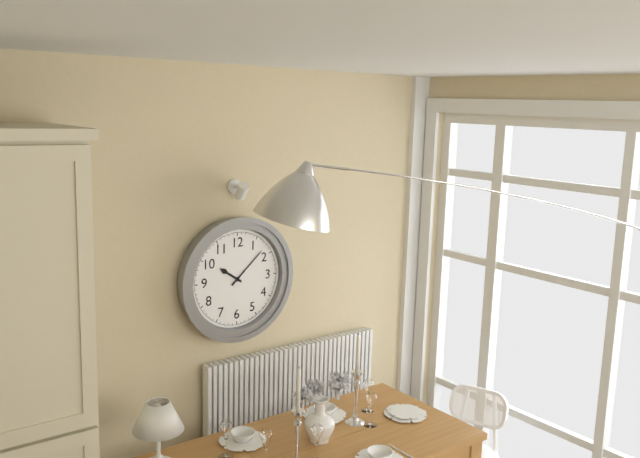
10:08
